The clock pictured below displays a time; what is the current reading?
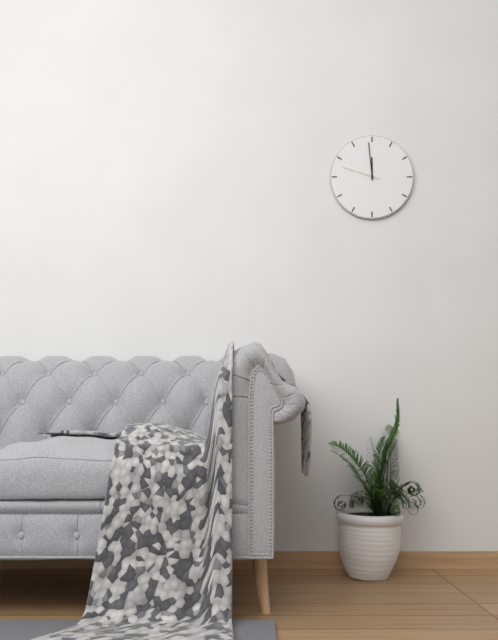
11:59
